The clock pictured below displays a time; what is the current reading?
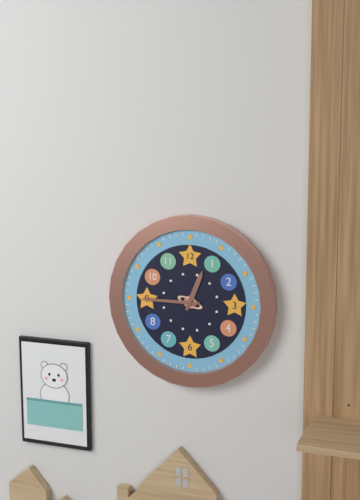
12:45
